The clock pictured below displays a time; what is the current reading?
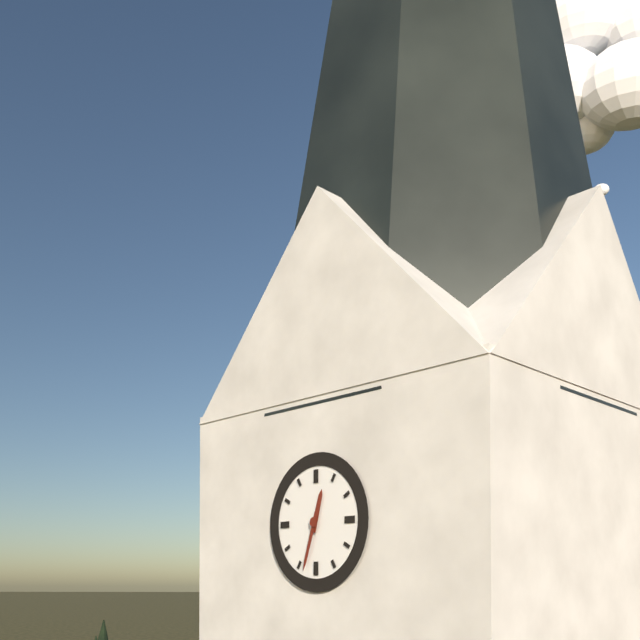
12:33
